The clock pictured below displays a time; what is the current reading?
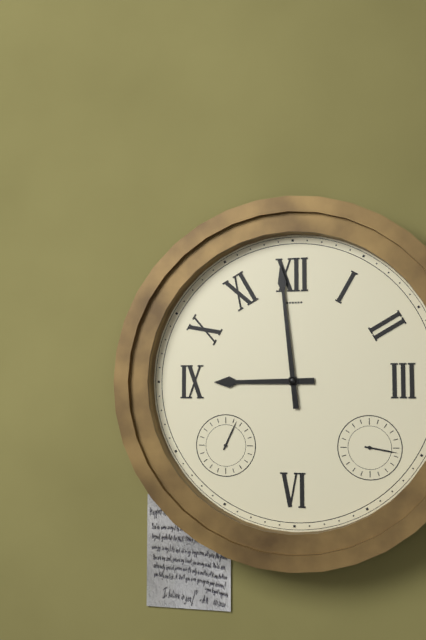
8:59
